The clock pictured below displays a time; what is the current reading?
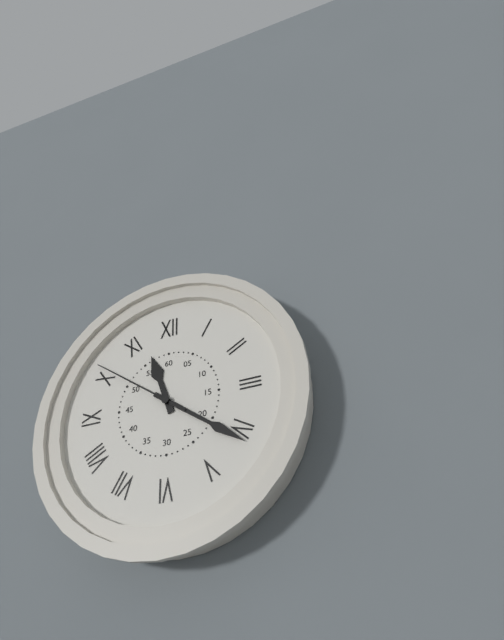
11:21:51
